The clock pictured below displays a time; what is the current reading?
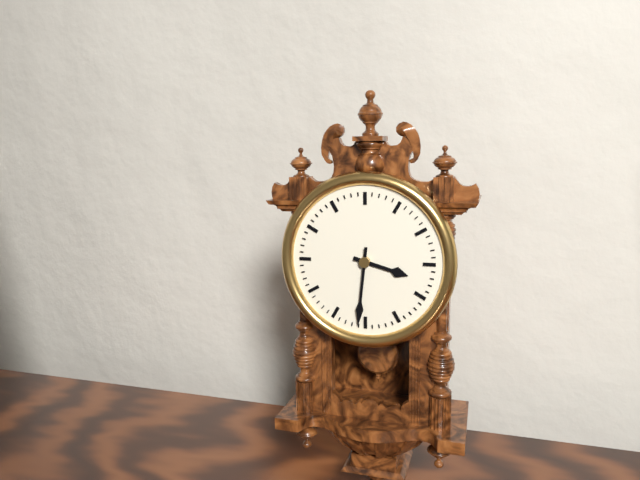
3:31
